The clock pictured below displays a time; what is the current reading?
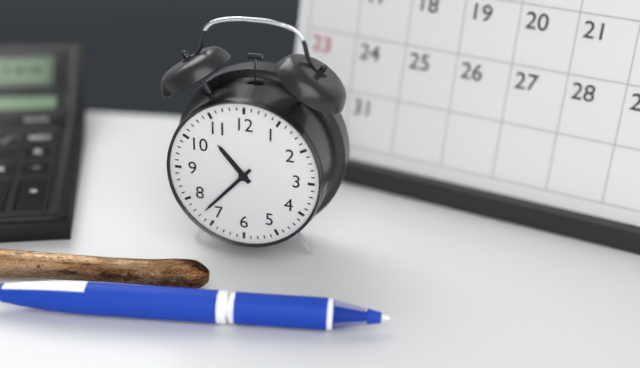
10:37
